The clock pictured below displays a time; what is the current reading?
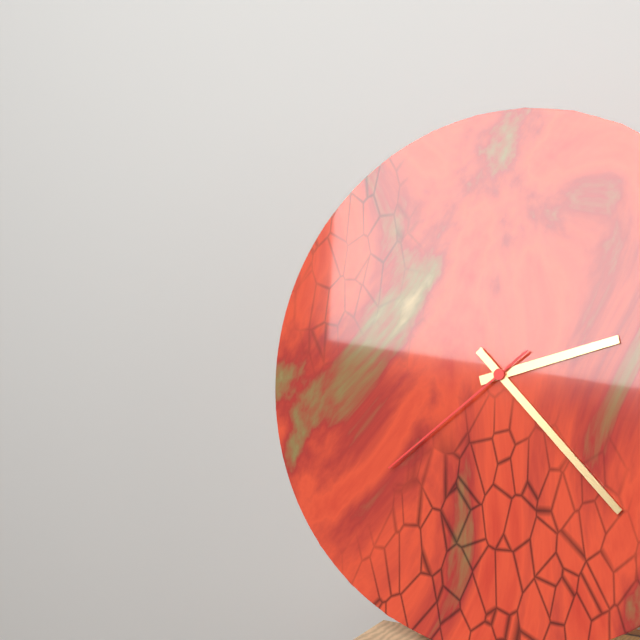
2:22:38
